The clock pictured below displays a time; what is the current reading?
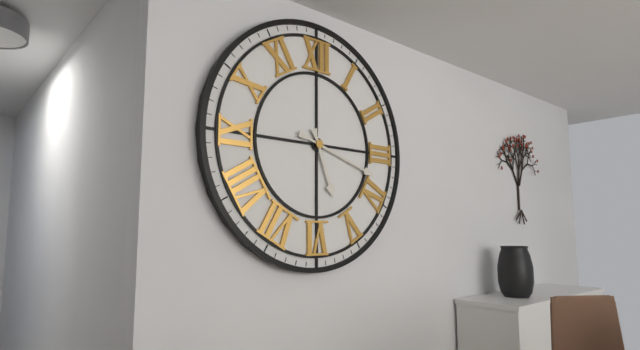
5:18
